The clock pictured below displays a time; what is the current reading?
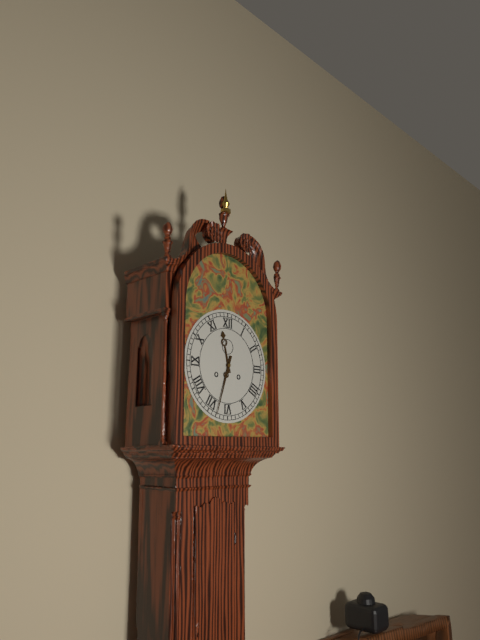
11:33
